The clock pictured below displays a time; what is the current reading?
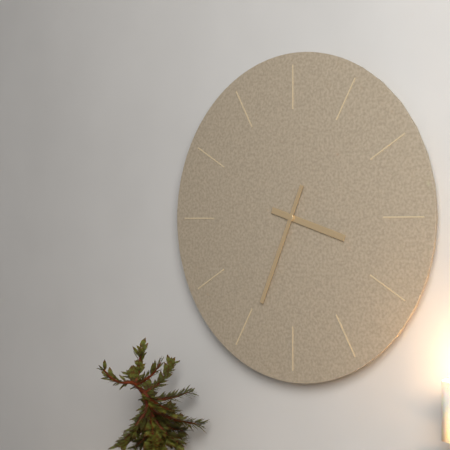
3:34
